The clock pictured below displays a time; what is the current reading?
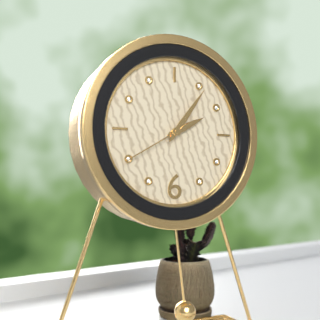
2:06:40
